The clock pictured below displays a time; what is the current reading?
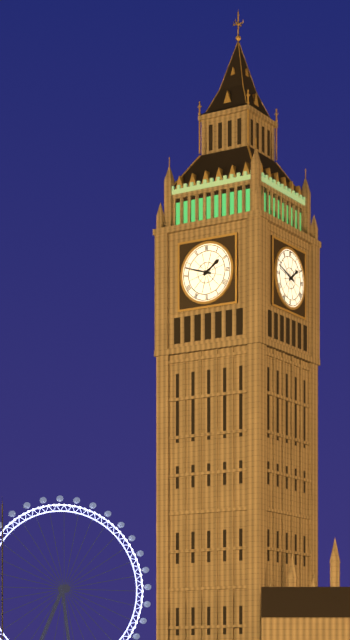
1:48
